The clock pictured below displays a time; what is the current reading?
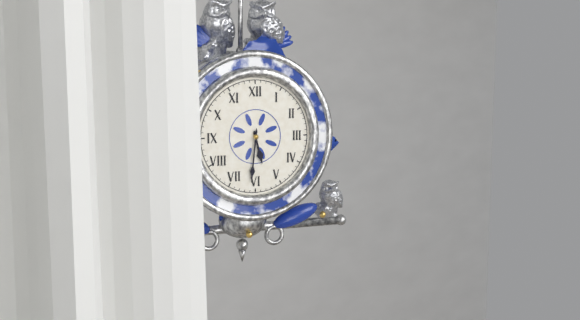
5:31
